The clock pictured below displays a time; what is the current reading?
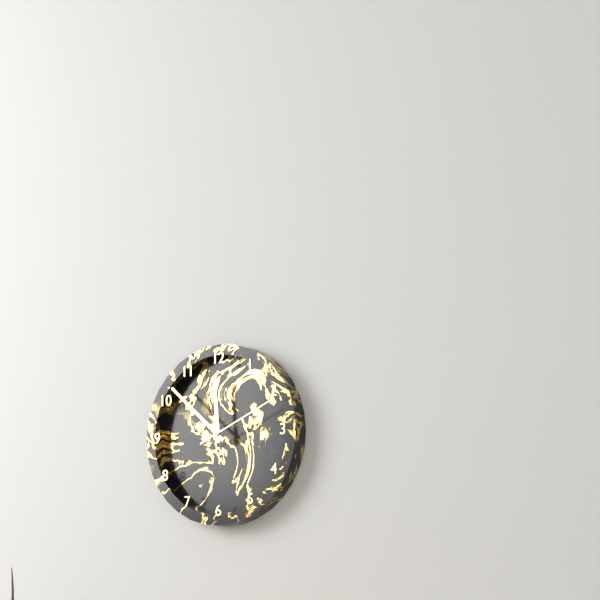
11:52:11
